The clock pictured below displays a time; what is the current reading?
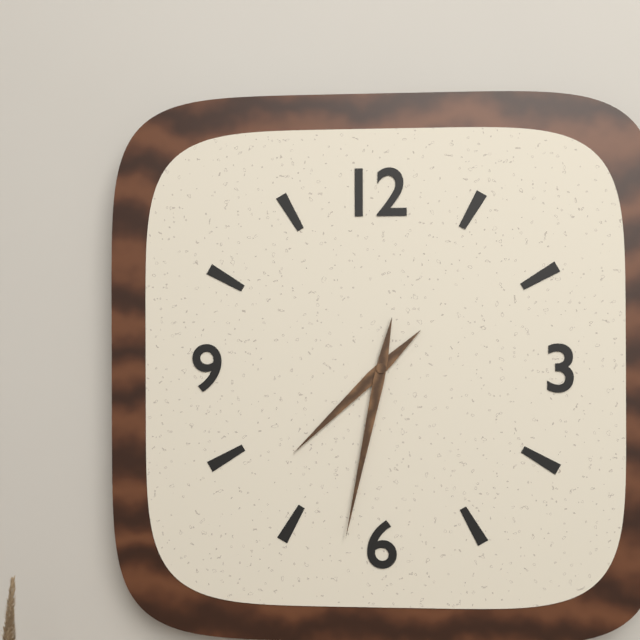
7:32
